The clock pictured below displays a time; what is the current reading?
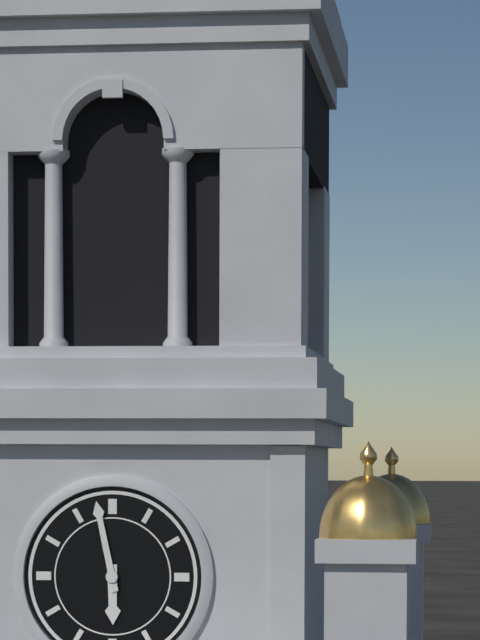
5:58
